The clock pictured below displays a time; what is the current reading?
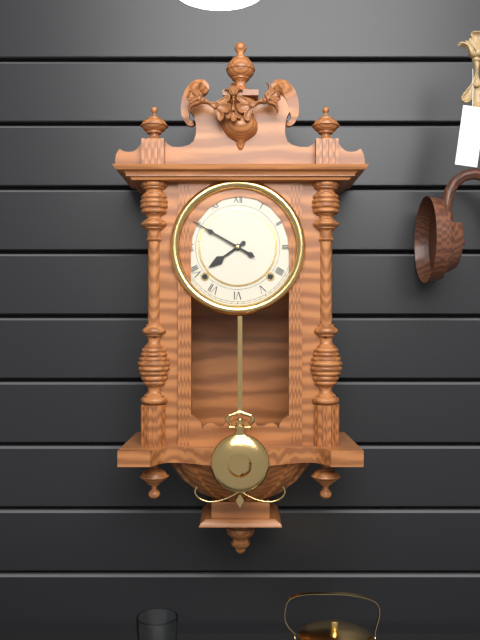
7:50
